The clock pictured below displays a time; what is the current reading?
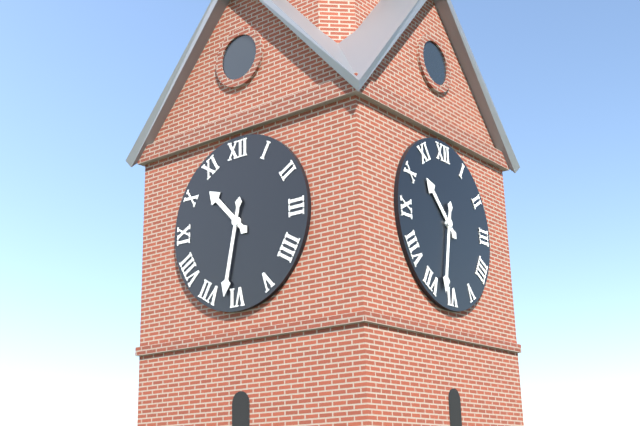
10:32
